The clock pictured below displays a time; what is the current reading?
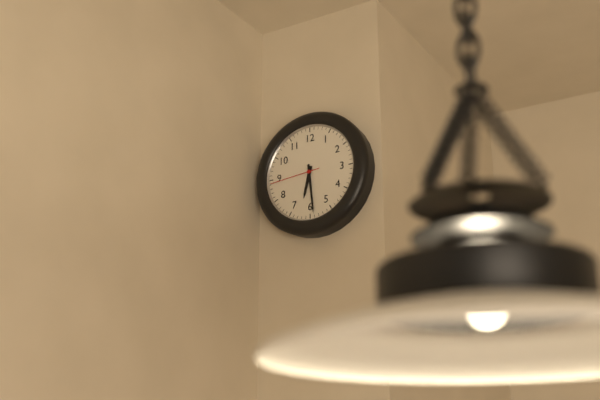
6:29:44
